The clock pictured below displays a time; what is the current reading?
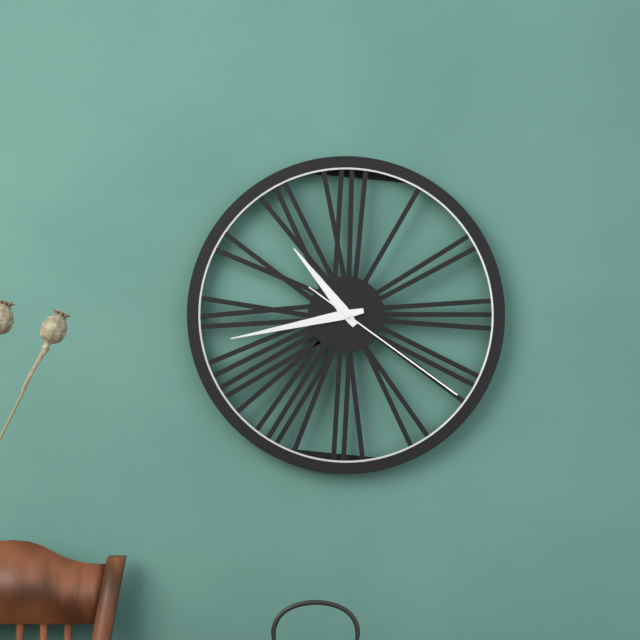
10:43:21
